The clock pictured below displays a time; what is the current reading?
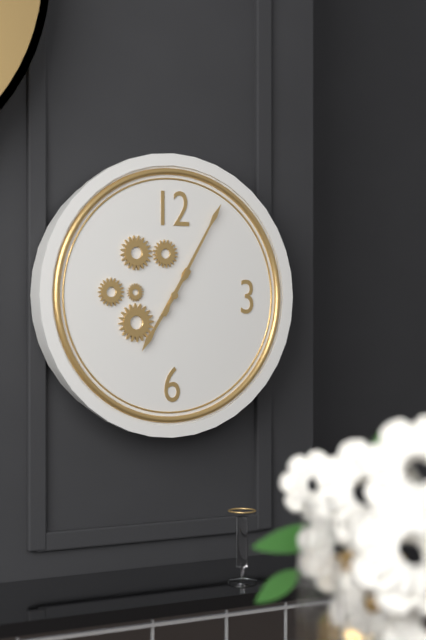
7:05
